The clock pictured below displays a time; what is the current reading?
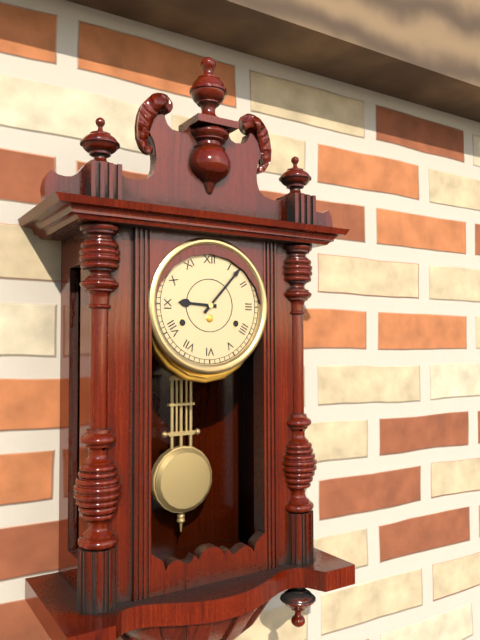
9:07
